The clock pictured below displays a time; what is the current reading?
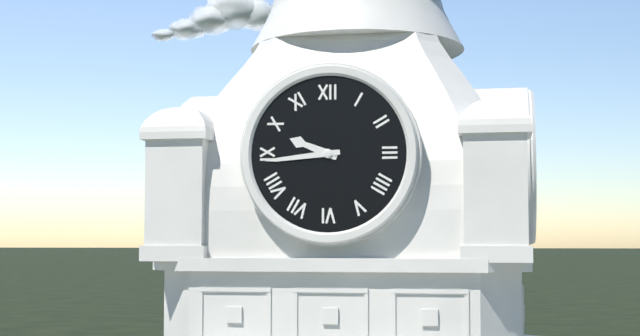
9:44
